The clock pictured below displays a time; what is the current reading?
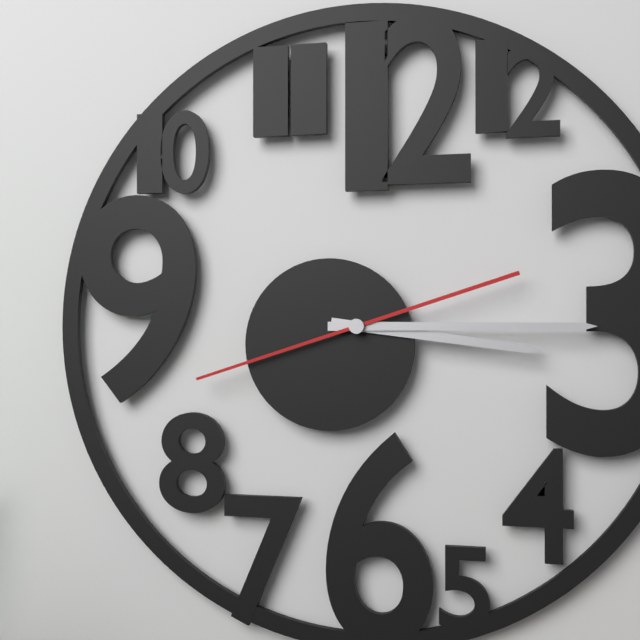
3:15:42
